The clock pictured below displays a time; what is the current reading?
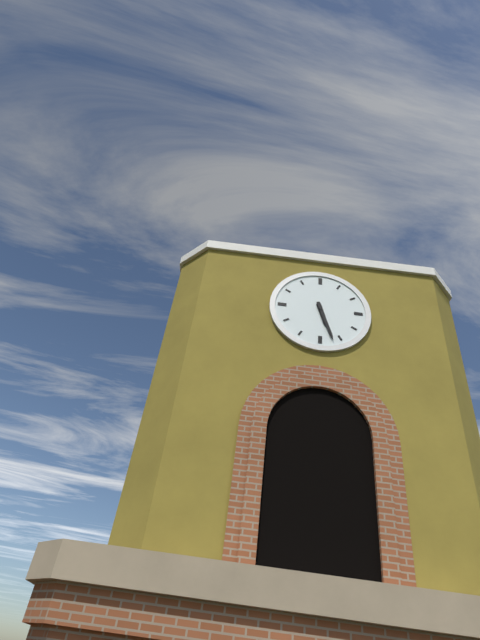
5:27
